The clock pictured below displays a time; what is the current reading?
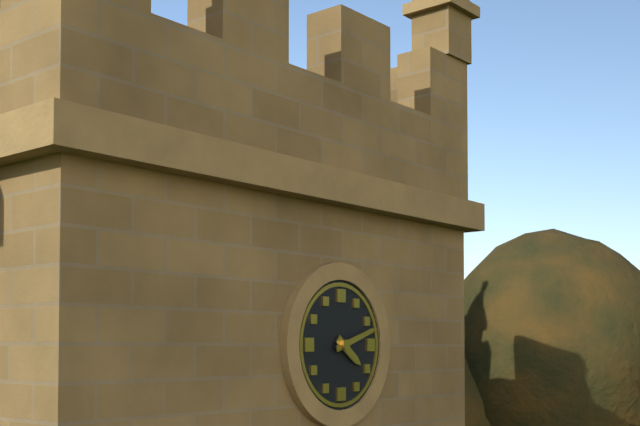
4:12
